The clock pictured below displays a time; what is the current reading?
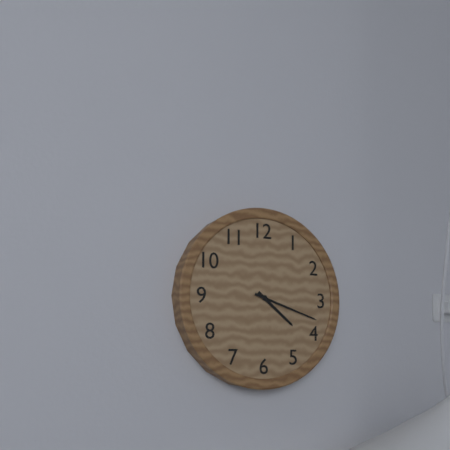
4:18
